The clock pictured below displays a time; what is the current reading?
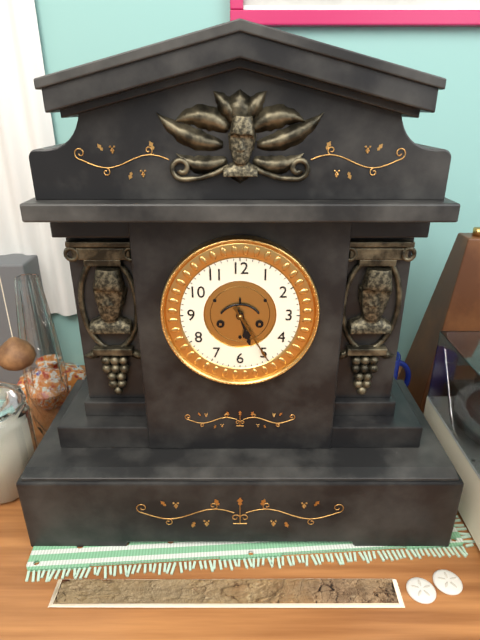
5:25
